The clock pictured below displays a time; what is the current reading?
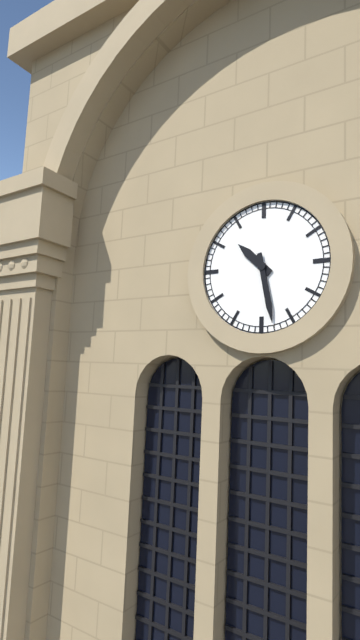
10:28
